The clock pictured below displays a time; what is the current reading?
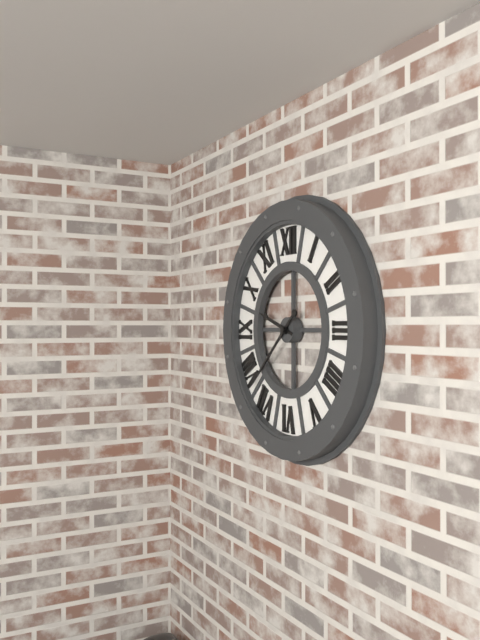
9:38
